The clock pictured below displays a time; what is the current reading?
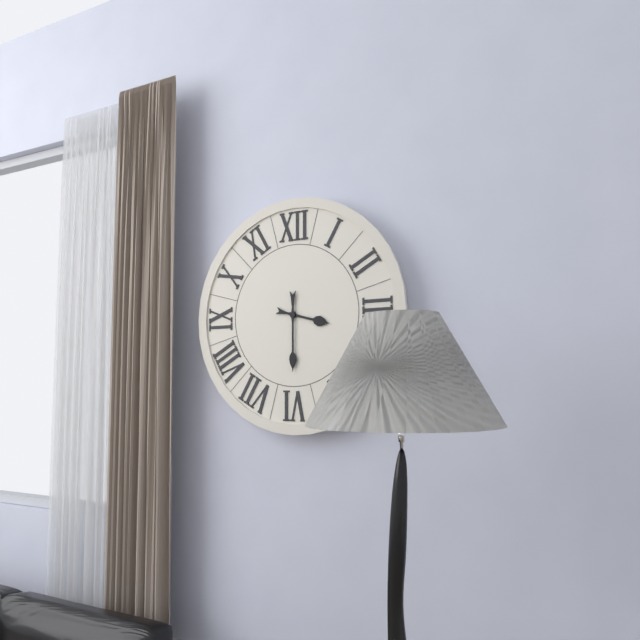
3:30
